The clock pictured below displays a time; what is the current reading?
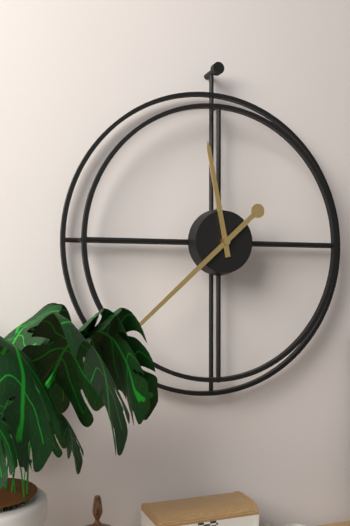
11:38
